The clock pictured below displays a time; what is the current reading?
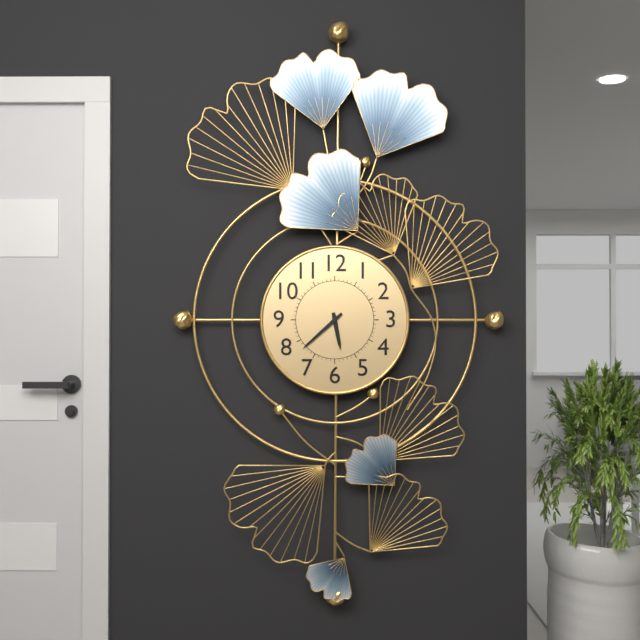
5:38
